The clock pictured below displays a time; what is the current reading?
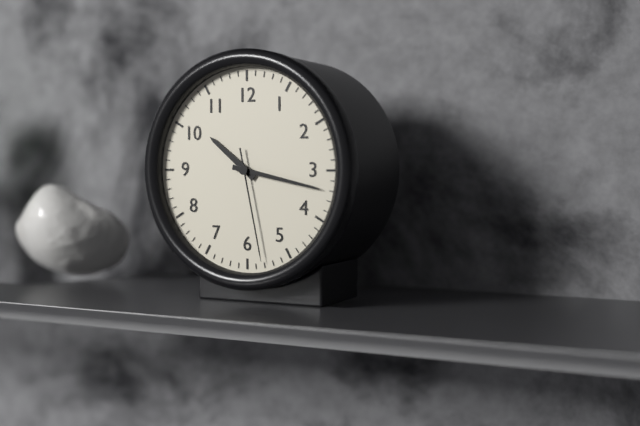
10:17:28
